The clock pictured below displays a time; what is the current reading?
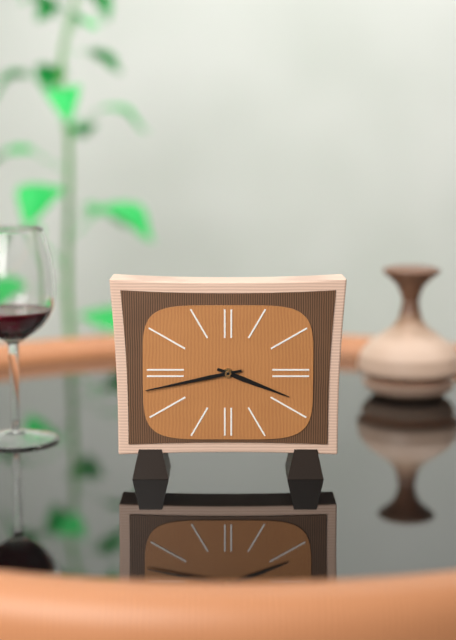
3:43
